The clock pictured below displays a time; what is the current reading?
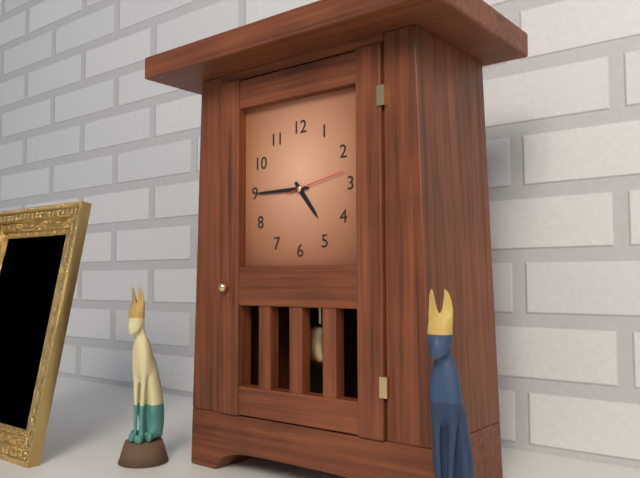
4:45:13
